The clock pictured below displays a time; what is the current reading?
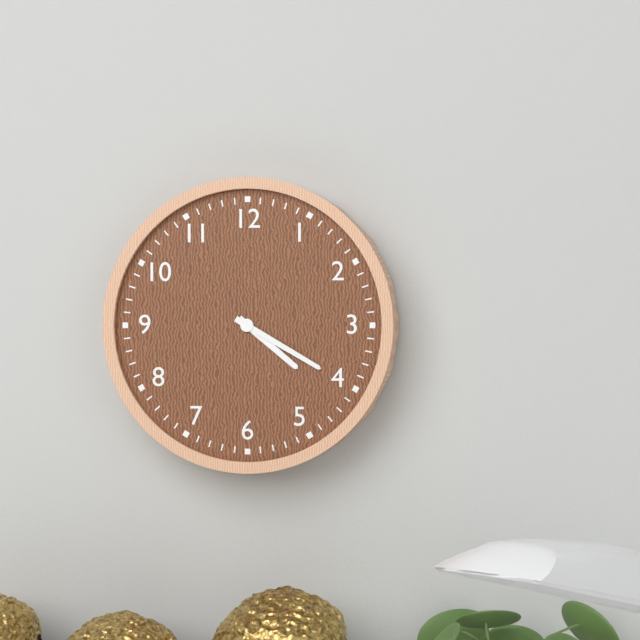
4:20
